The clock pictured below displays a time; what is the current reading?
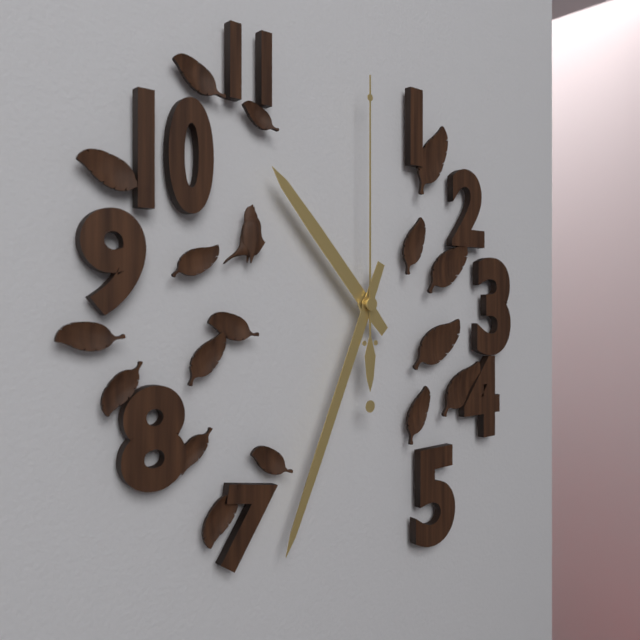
10:34:00
